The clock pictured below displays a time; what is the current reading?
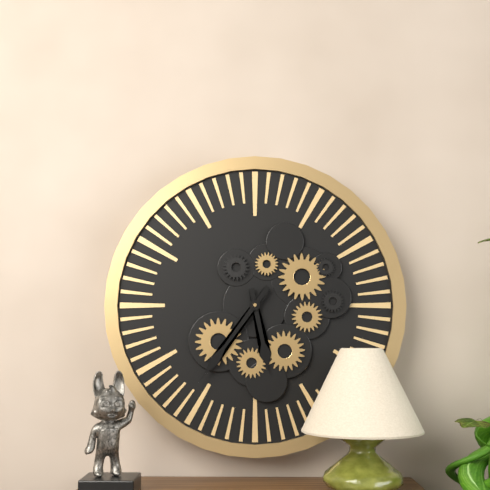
5:36
